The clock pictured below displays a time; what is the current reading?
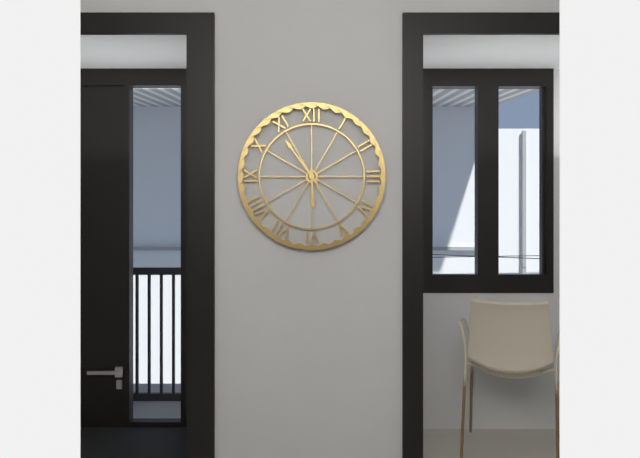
5:54
